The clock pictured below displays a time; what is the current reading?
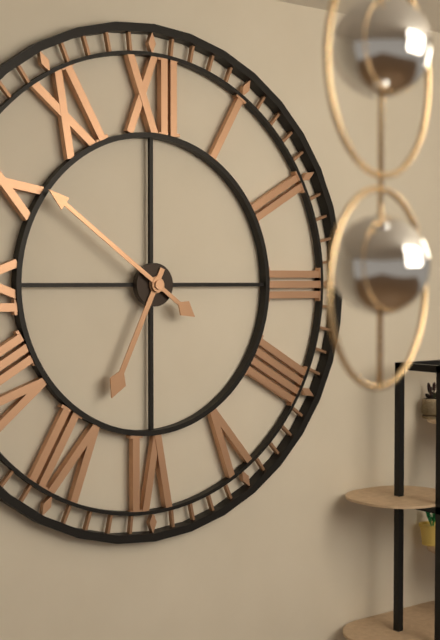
6:51
